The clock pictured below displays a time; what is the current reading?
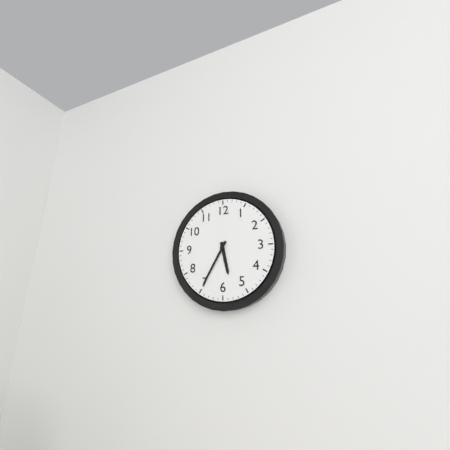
5:35
